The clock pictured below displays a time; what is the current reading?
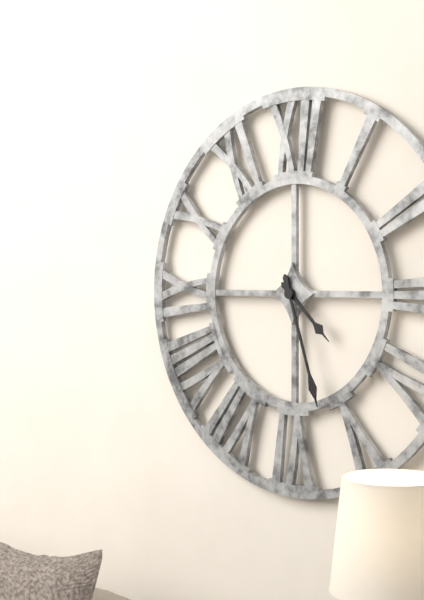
4:27
